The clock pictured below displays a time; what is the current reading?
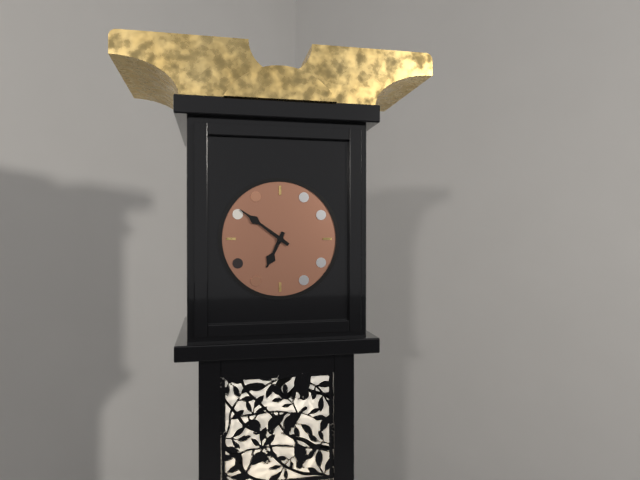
6:51
